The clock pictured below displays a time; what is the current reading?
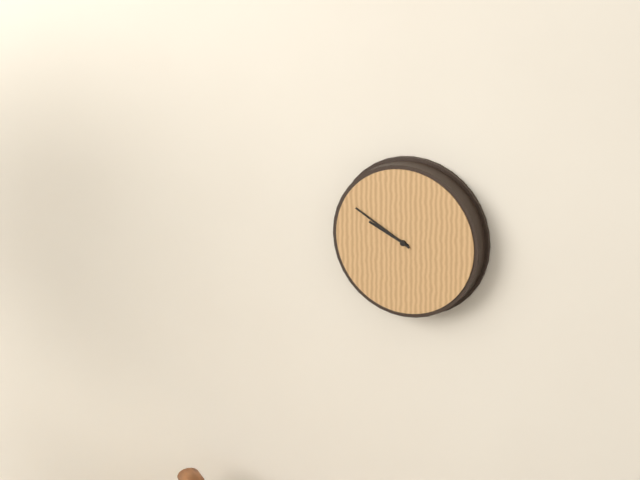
9:50
